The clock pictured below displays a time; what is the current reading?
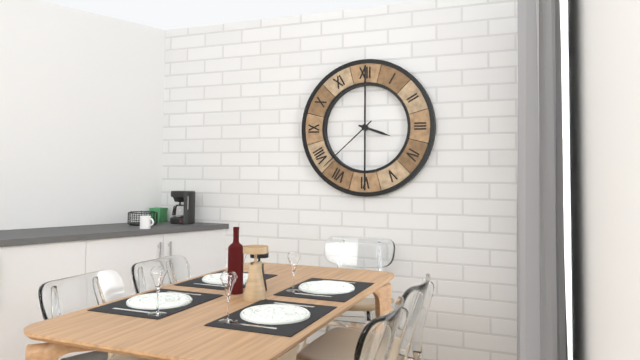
3:38
